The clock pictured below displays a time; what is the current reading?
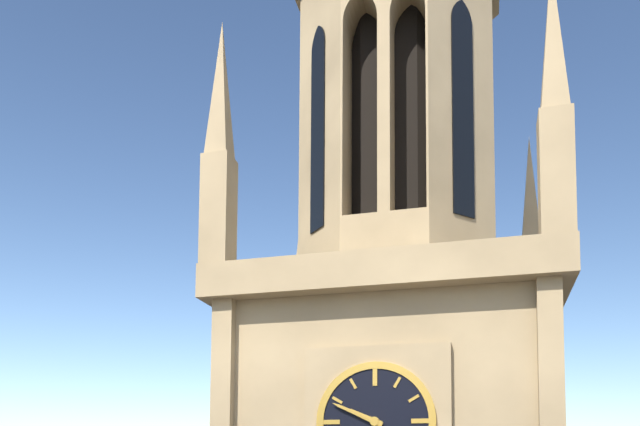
9:49
